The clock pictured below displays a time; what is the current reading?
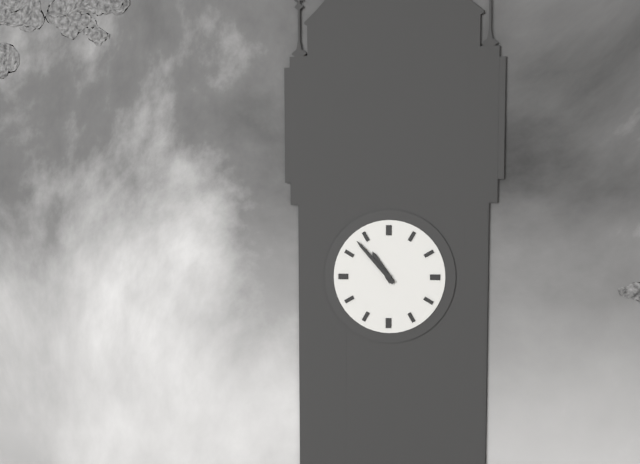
10:53
